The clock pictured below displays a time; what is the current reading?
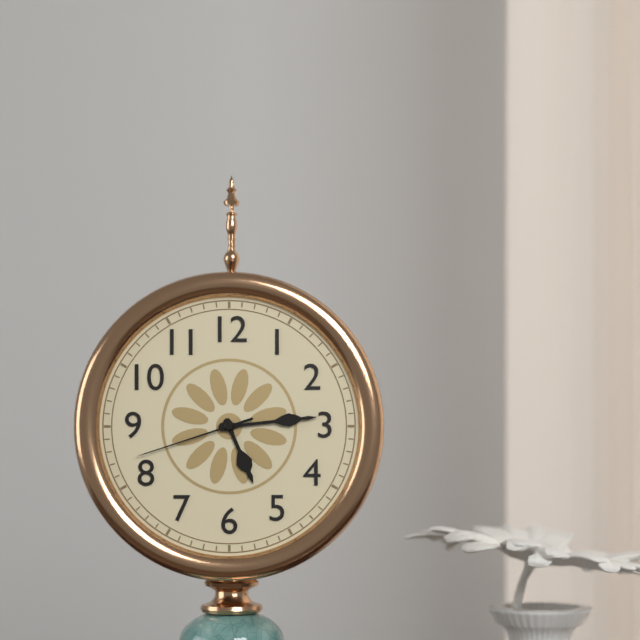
5:14:42
